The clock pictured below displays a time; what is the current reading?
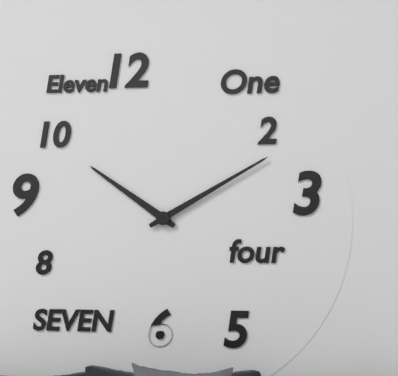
10:10
